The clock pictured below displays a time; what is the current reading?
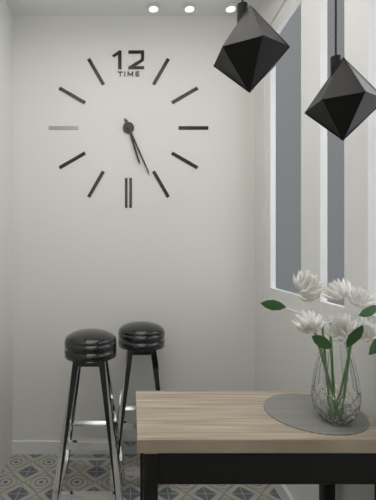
5:26
